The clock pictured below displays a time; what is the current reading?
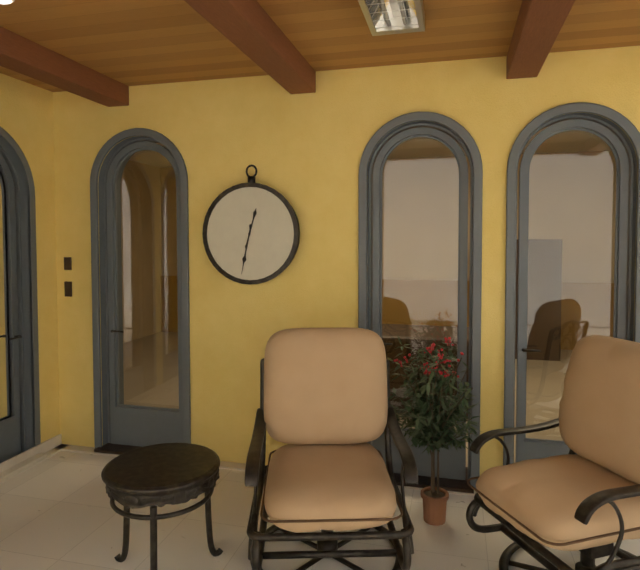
12:32
